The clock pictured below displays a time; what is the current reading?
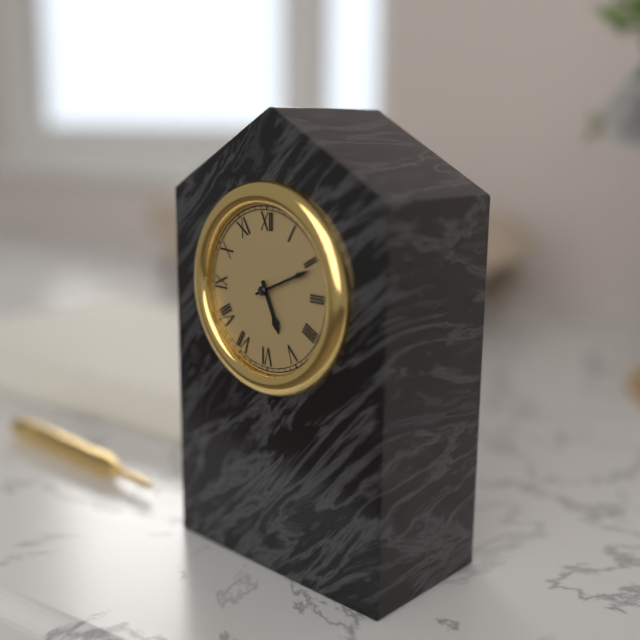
5:11
